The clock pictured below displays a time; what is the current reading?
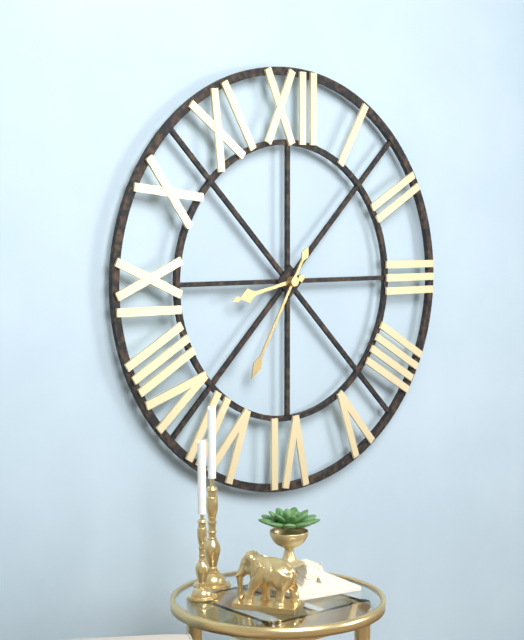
8:35
